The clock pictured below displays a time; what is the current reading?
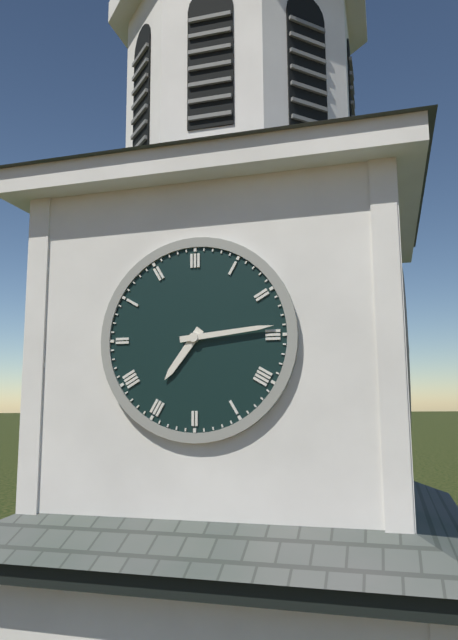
7:14
